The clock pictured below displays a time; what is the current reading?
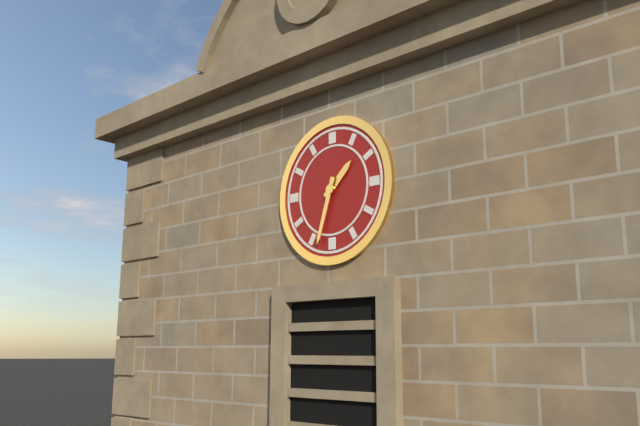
1:33
